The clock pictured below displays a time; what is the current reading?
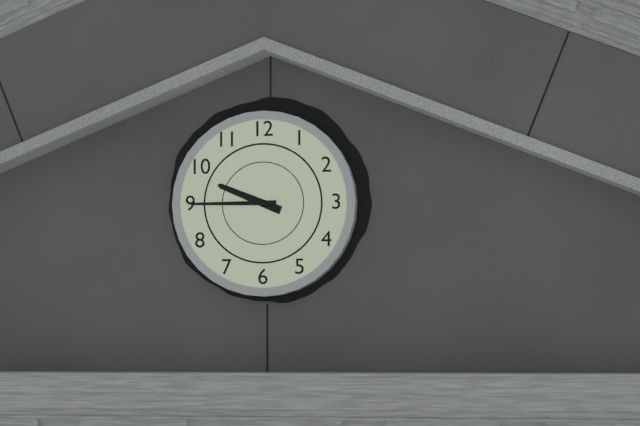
9:45
